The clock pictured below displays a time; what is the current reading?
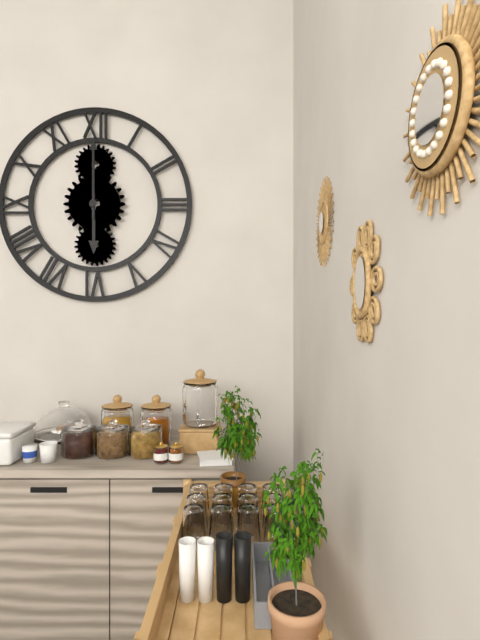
6:00
